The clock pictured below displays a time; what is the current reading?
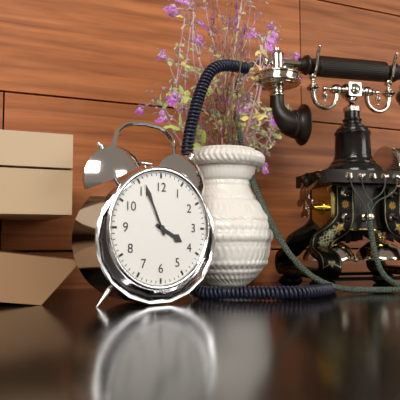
3:56
